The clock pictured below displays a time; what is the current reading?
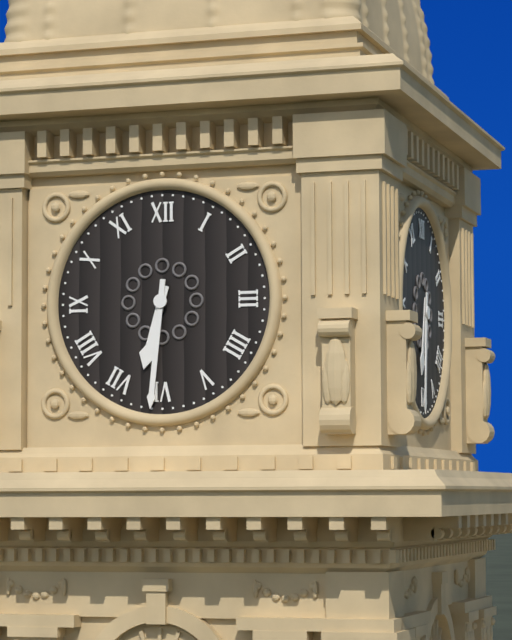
6:31
